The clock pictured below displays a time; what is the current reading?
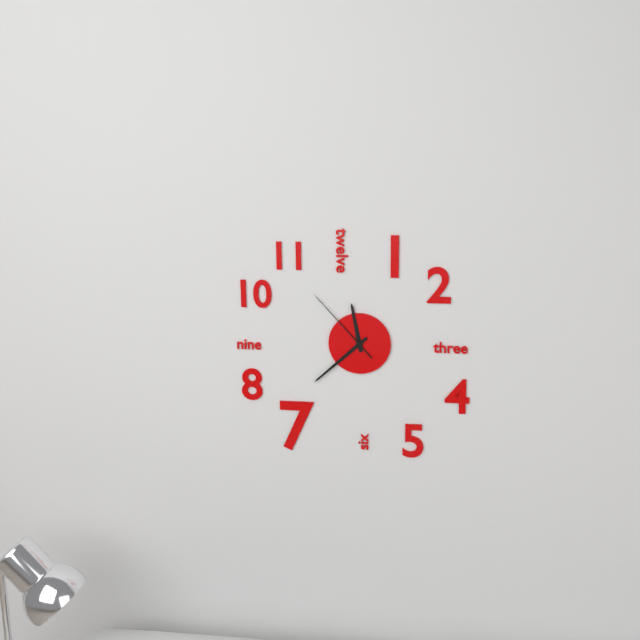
11:38:53
